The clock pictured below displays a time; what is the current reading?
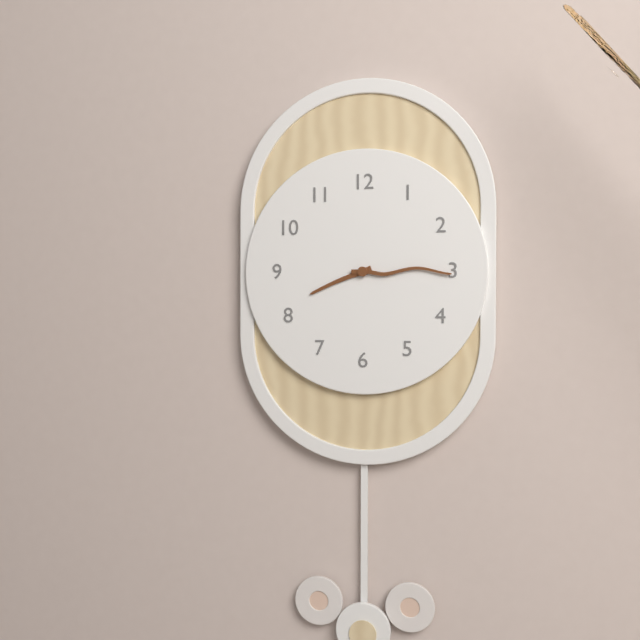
8:15
